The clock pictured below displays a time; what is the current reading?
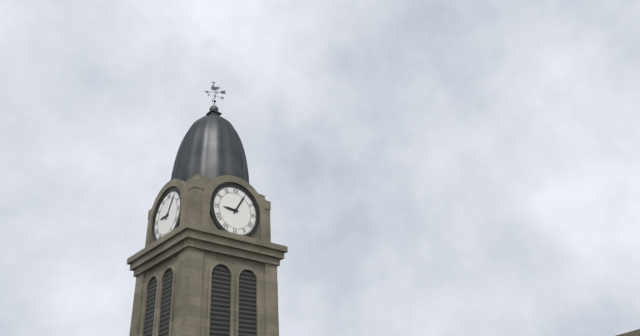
9:05
